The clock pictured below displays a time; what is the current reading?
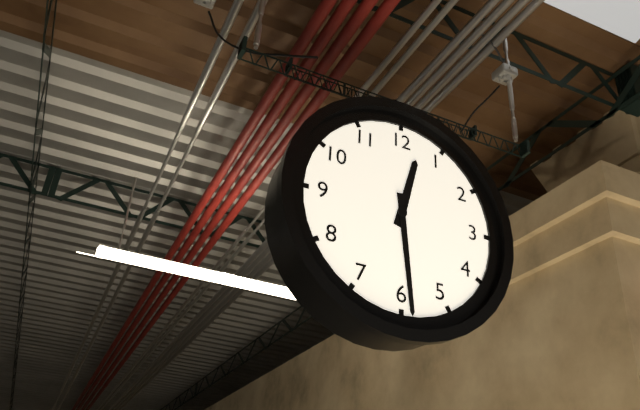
12:29
